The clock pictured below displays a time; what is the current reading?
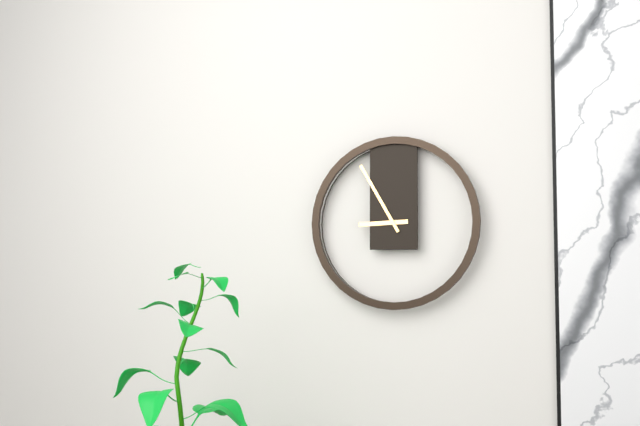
8:55
